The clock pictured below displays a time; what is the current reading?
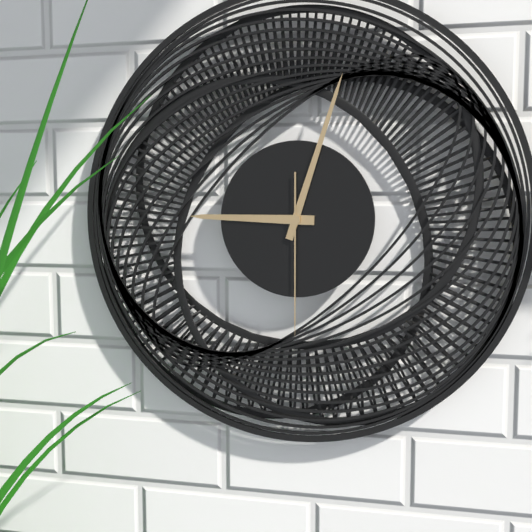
9:03:30
